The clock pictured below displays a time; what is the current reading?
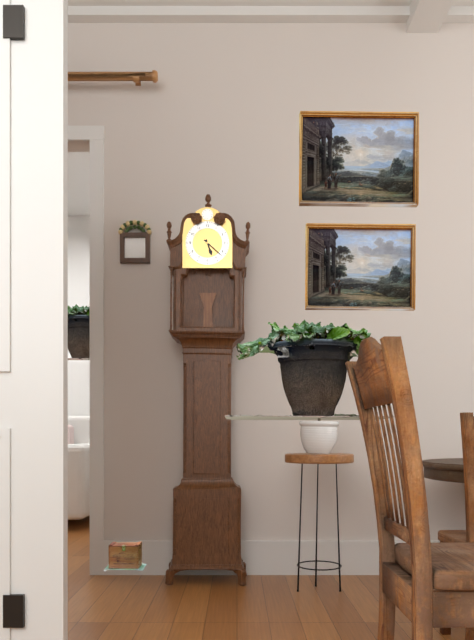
5:22
